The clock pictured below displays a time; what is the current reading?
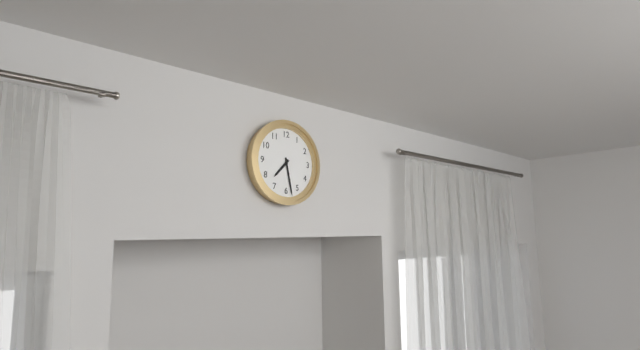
7:28
